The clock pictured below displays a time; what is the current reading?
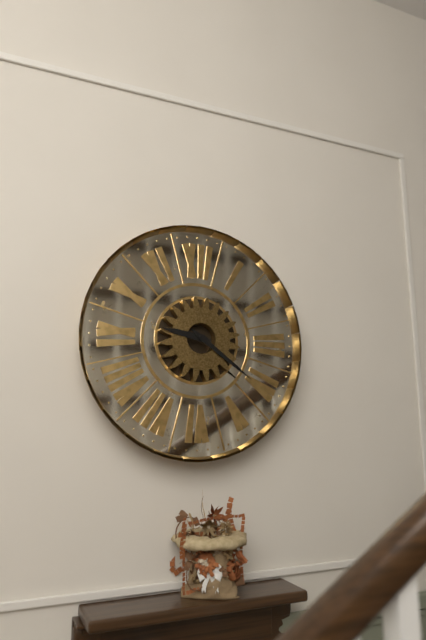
9:21
